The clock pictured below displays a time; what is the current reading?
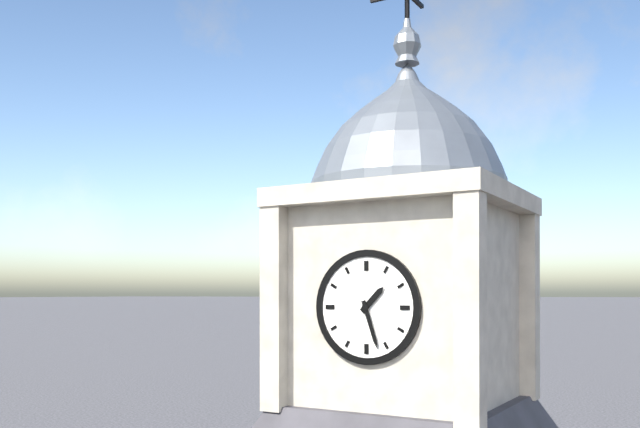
1:27
